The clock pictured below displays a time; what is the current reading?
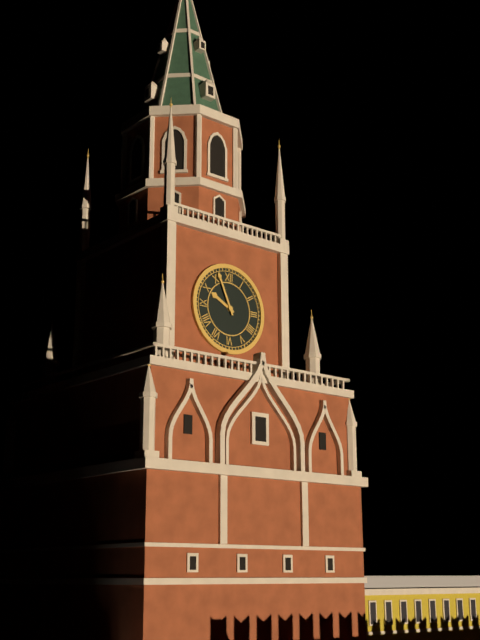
9:56
